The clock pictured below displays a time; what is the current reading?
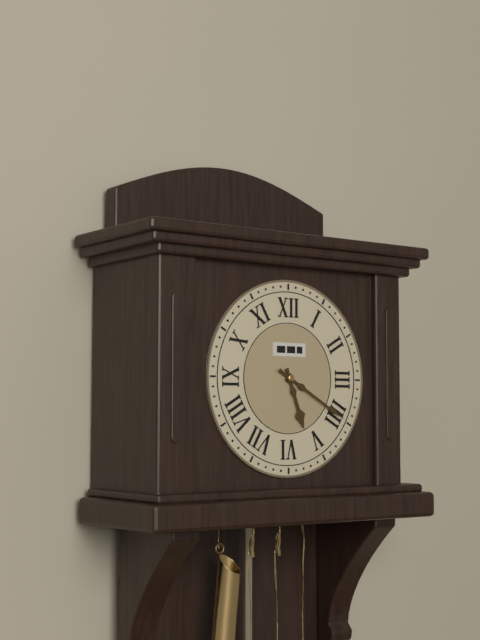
5:20
